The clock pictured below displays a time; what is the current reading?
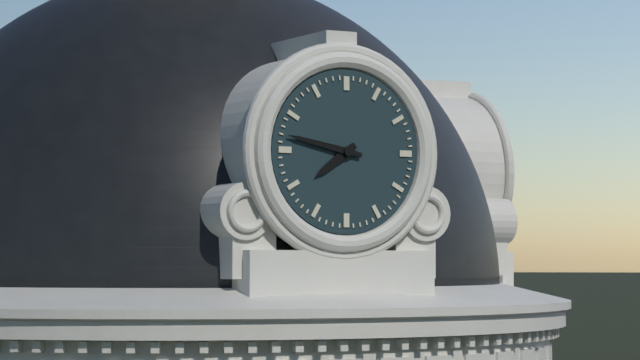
7:47
